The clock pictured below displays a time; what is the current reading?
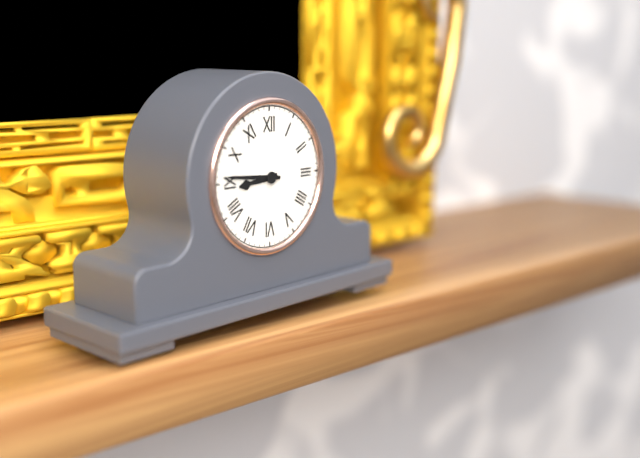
8:46
